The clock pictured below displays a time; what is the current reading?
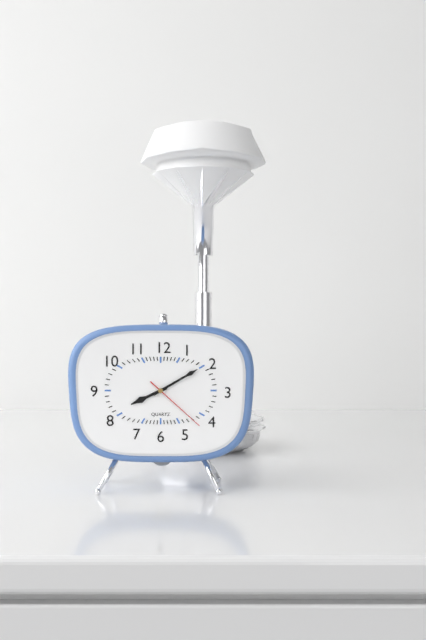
8:10:22
